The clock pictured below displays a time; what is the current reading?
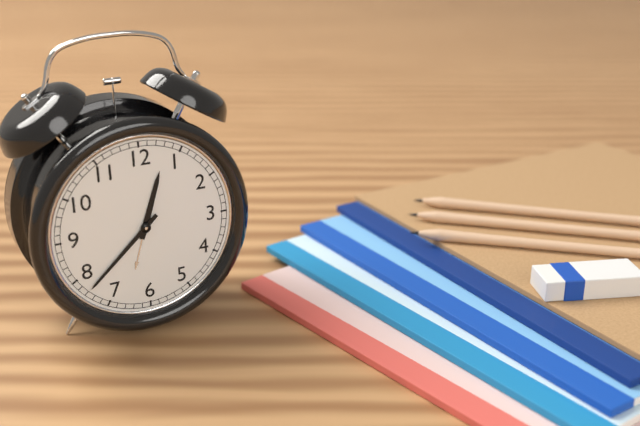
12:38
